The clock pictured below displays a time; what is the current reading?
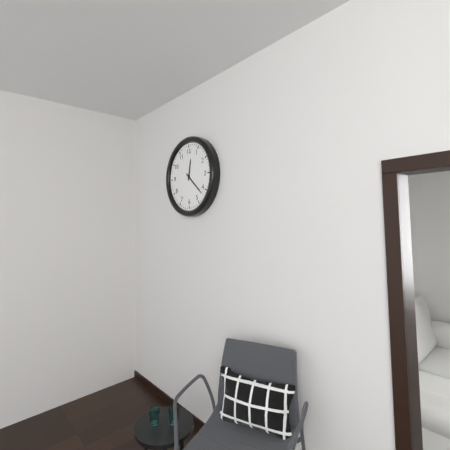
12:22
